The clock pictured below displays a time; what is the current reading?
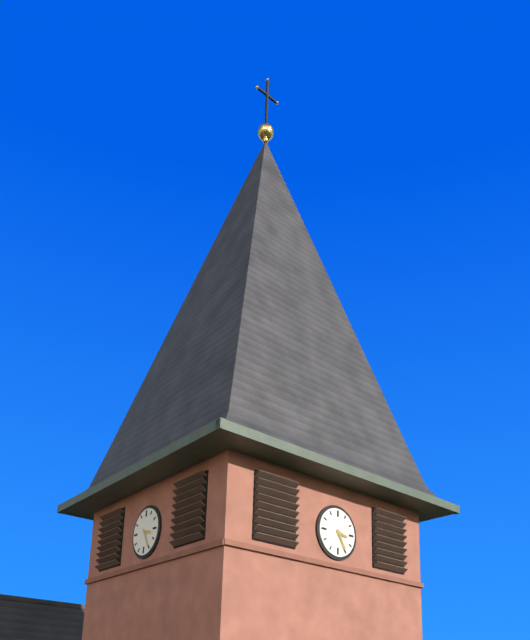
3:25
